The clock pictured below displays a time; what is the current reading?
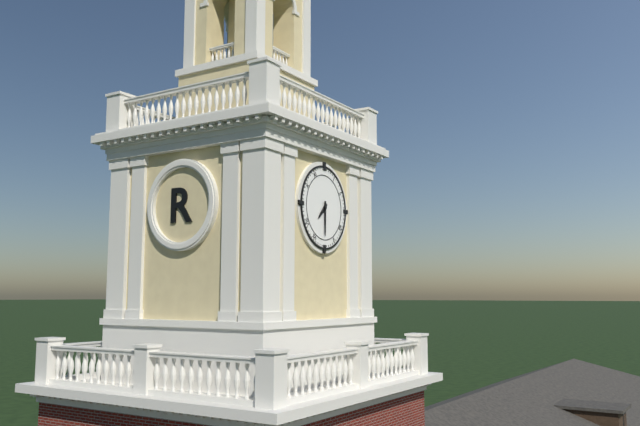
7:30
